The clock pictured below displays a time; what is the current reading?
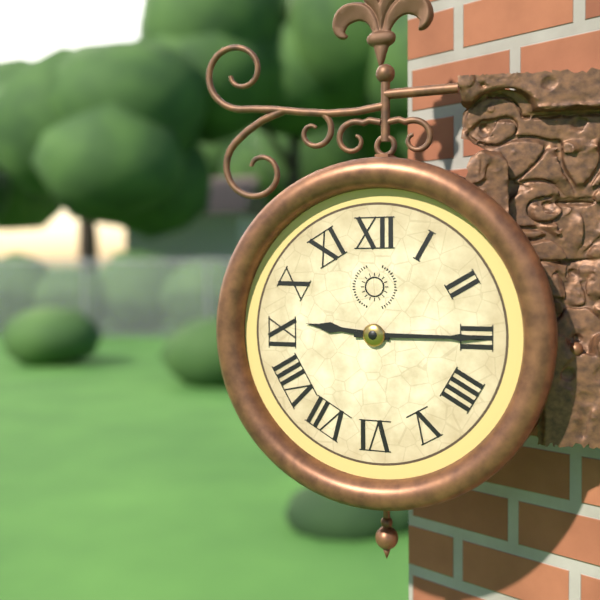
9:15
